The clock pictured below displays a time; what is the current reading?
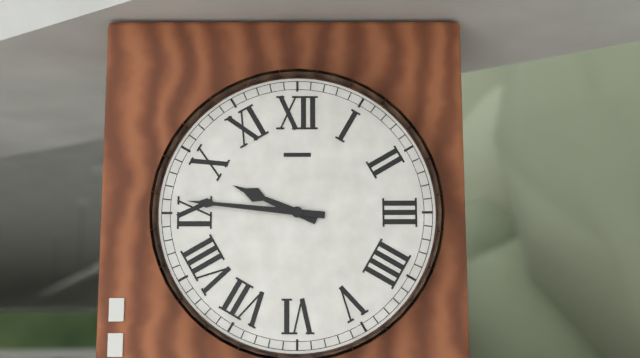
9:46
